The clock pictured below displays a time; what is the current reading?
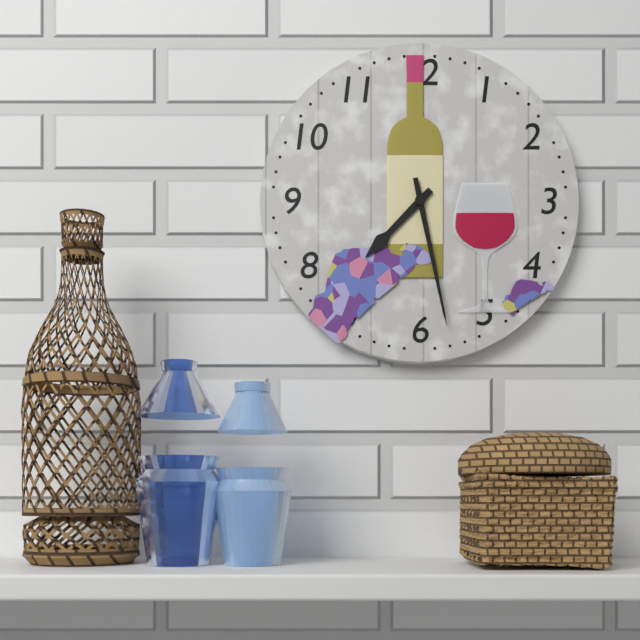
7:28
